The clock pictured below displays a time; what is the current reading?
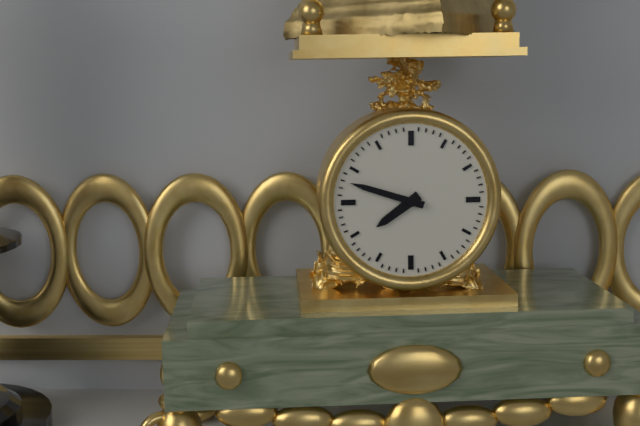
7:48
